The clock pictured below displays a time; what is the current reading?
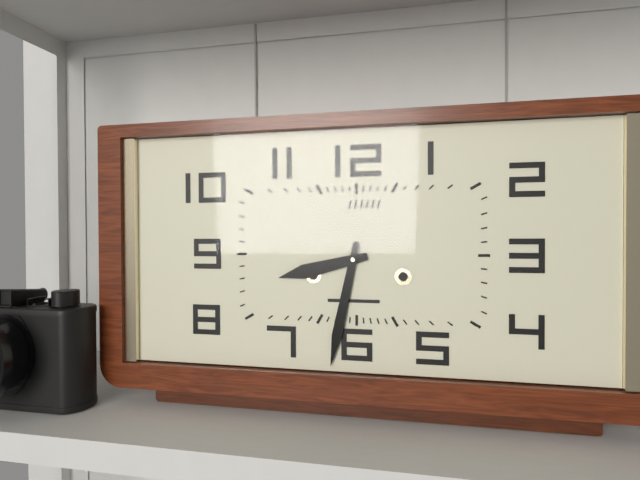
8:32
